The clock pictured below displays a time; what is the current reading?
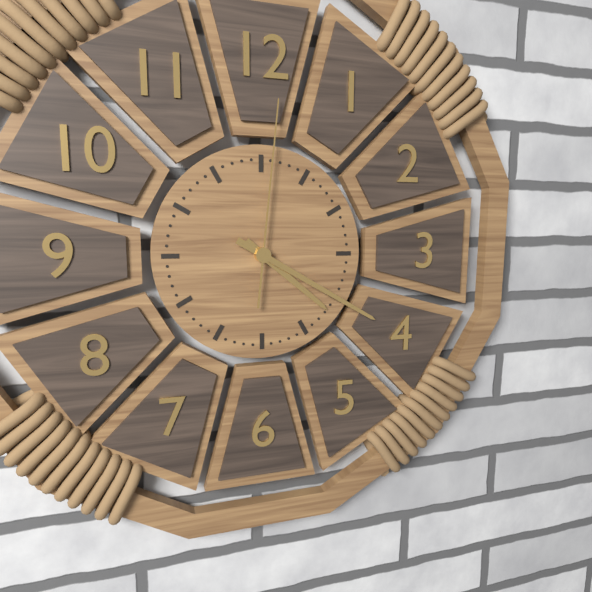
4:20:01
